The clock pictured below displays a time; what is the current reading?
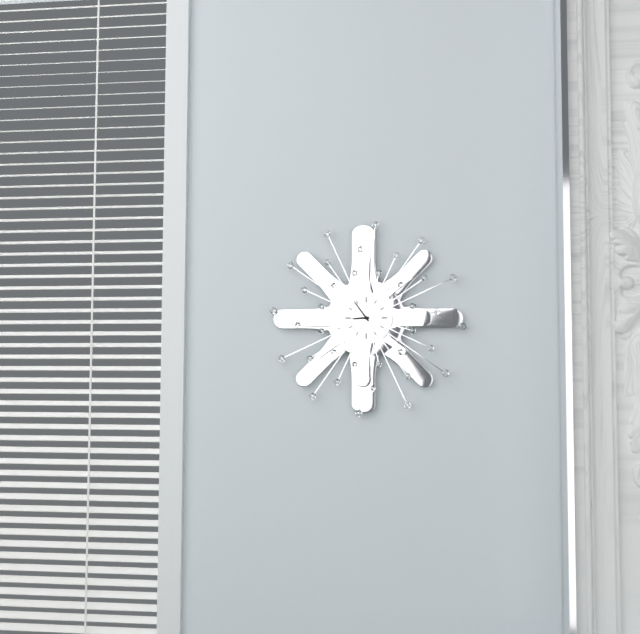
8:54
